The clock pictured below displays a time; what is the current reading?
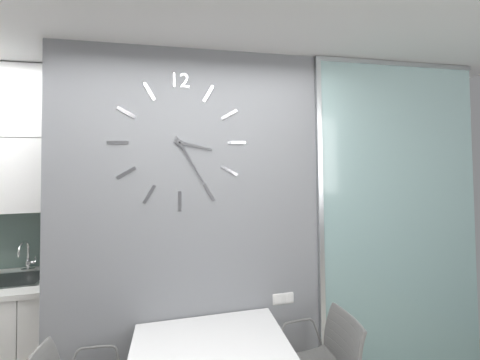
3:25
